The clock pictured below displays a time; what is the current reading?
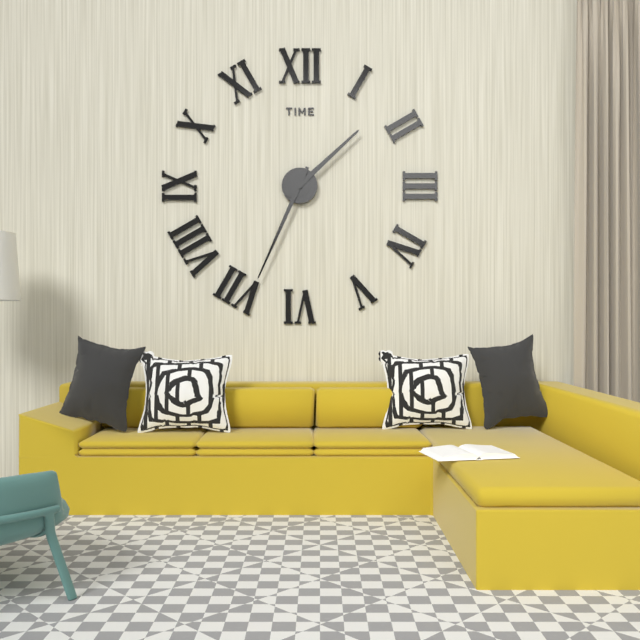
1:34
